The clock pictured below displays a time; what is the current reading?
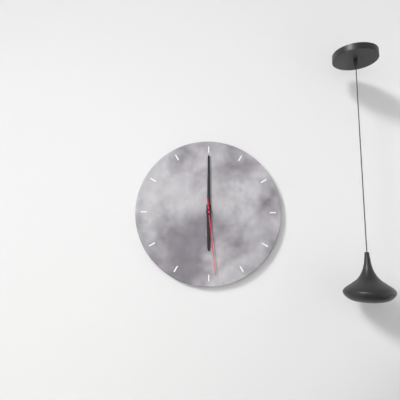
6:00:29
